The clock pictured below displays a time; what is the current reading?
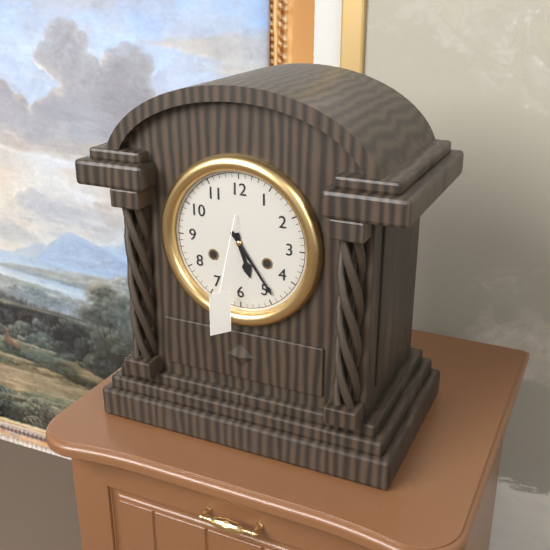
5:24
